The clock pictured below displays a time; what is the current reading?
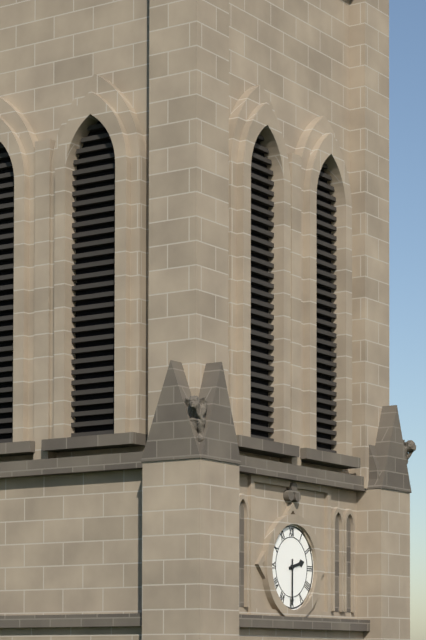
2:30
